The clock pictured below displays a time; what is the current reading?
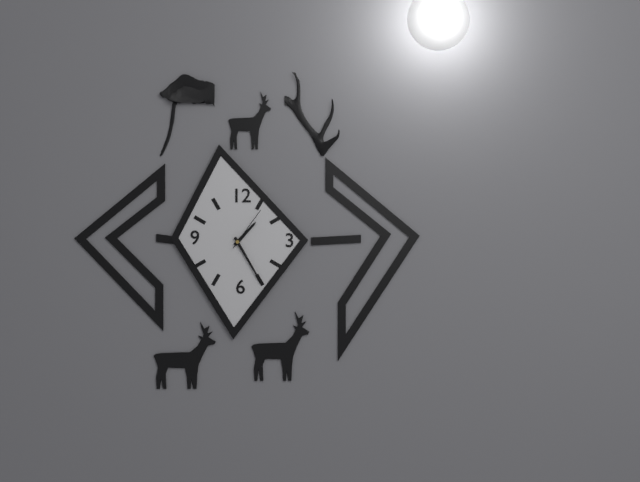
1:25
